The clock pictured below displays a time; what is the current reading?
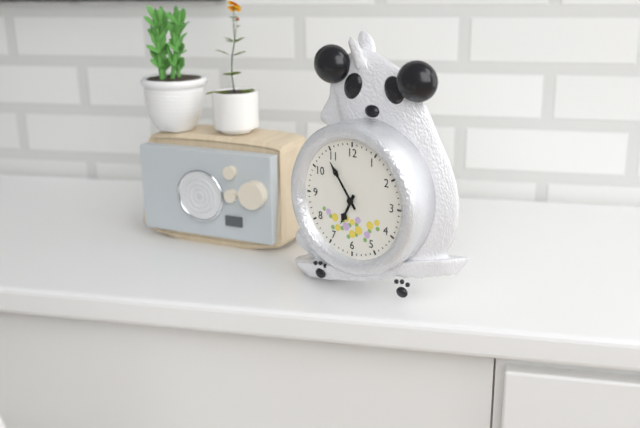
6:54
